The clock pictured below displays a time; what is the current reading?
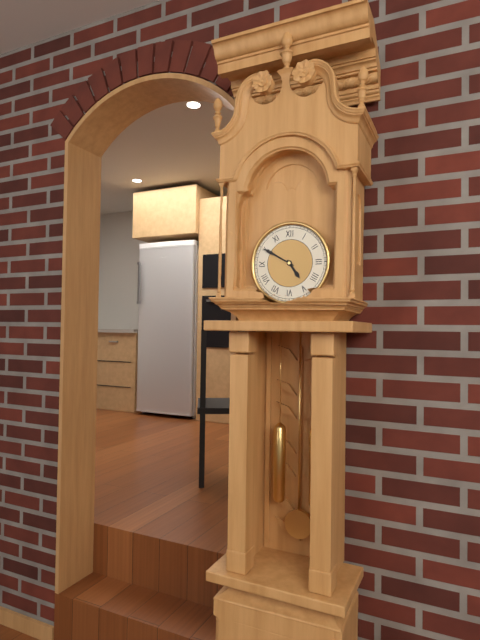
4:50
